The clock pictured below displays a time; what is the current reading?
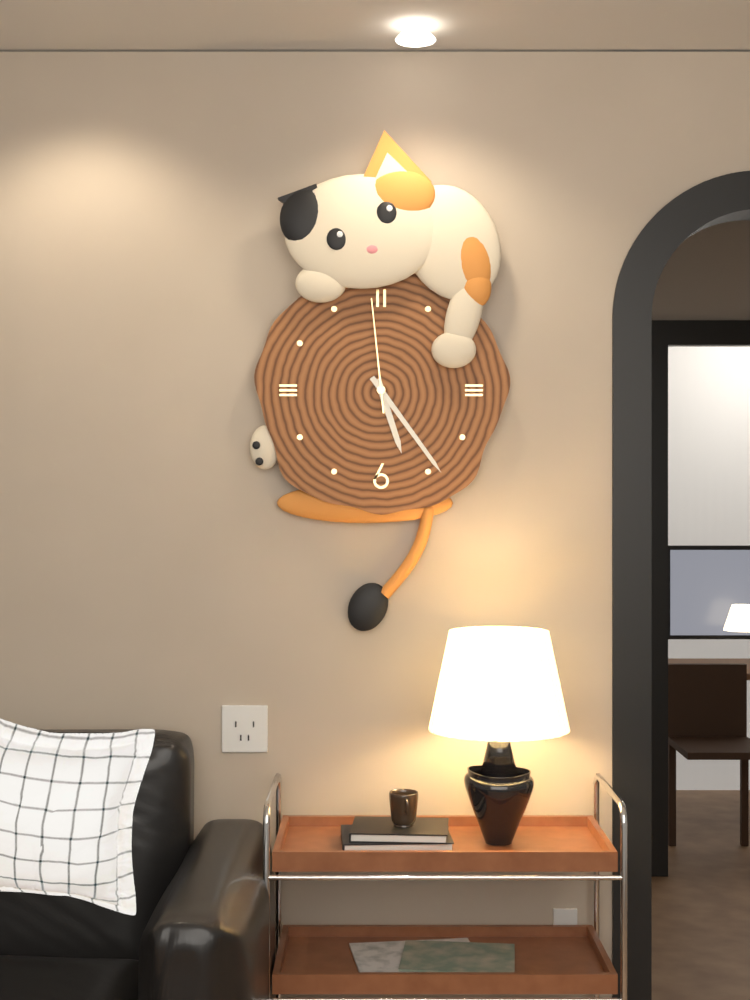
5:24:59
